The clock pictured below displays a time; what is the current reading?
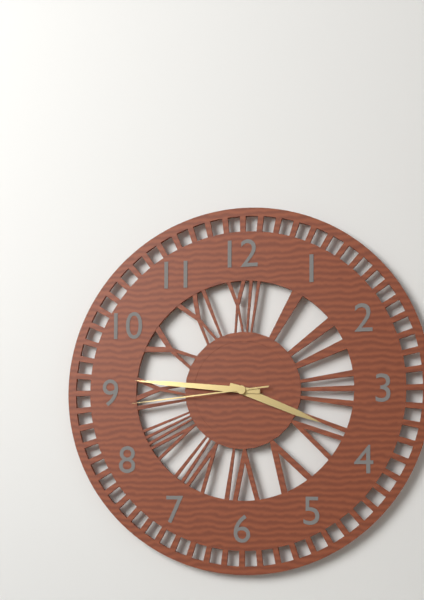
3:46:44
